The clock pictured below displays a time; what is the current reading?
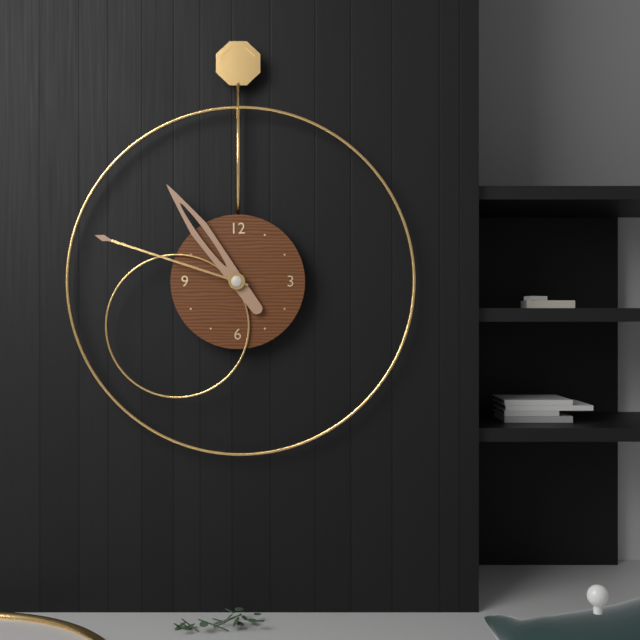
10:48
